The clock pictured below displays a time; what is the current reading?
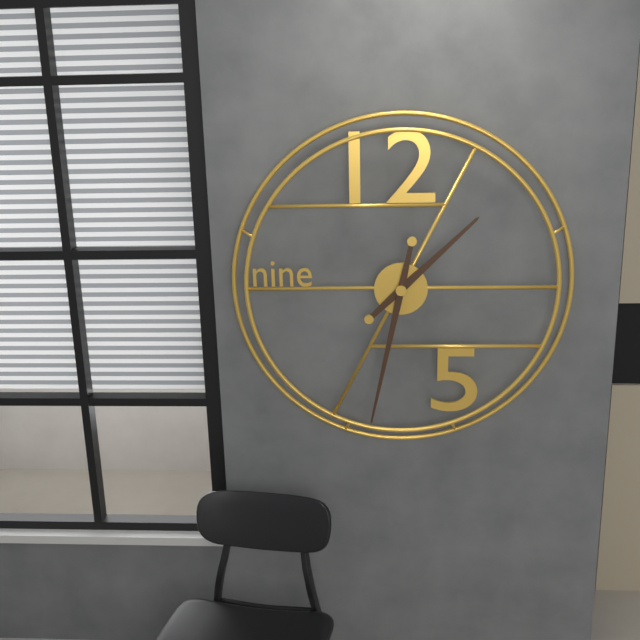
1:32
